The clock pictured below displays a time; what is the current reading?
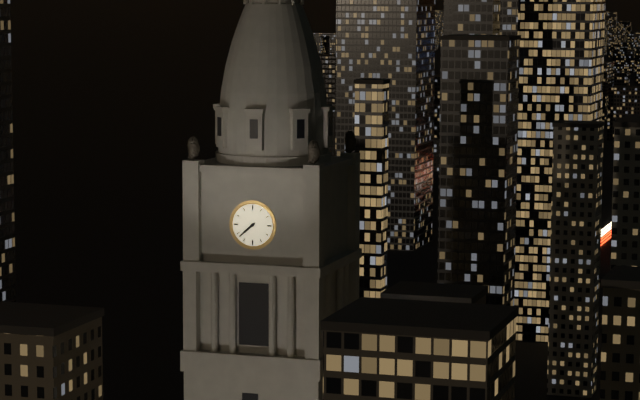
7:38
